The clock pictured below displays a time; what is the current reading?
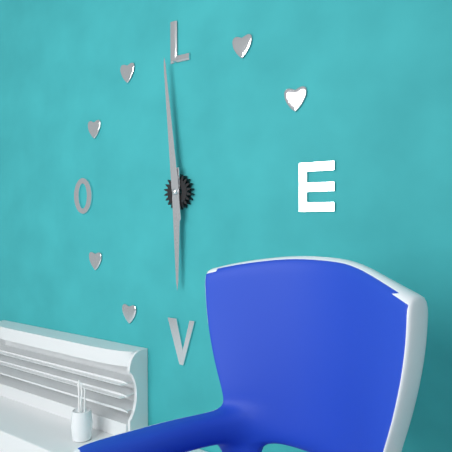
5:59
